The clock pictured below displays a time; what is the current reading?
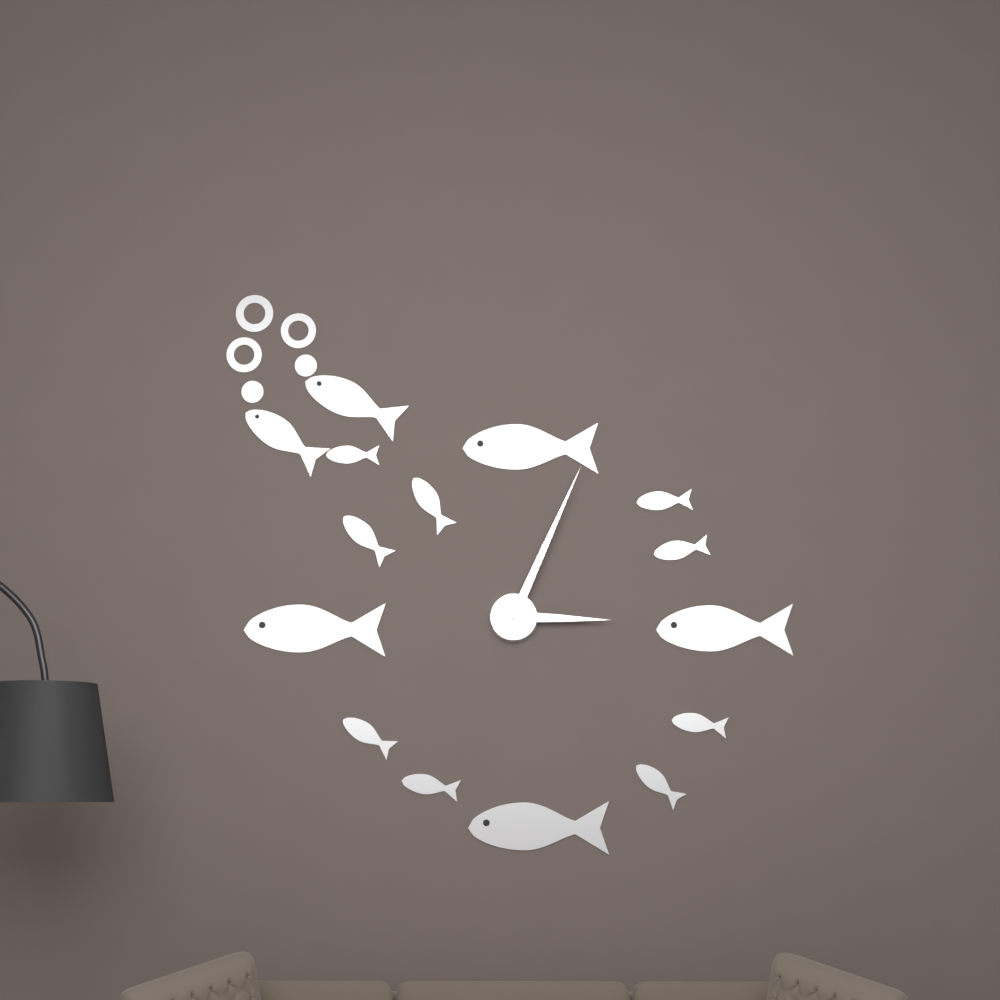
3:04
